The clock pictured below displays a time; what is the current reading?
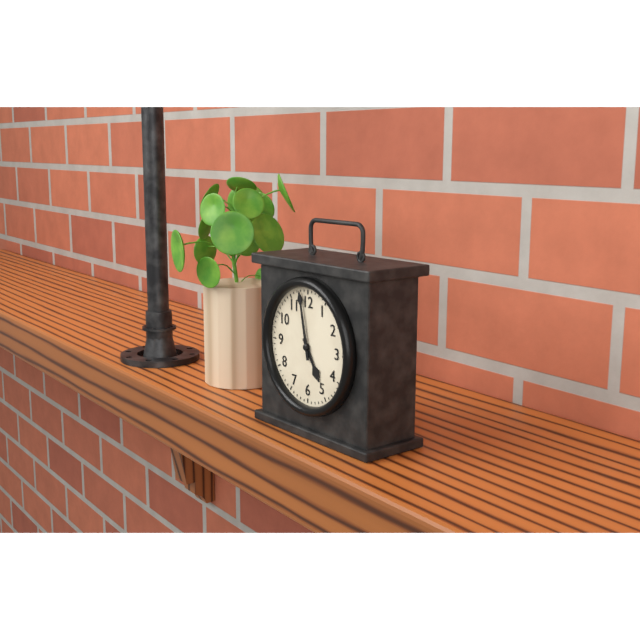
4:58
